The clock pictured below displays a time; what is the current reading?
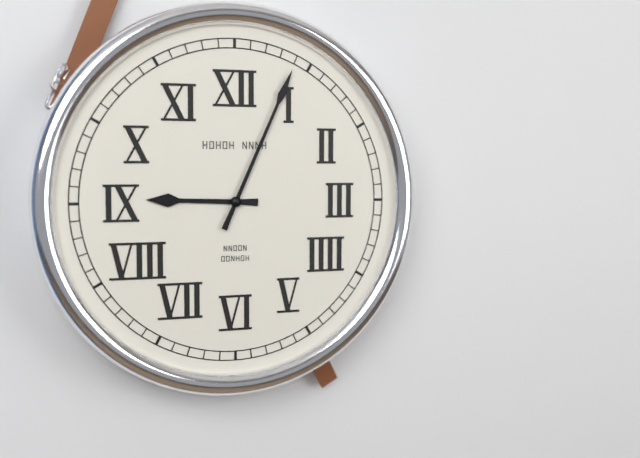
9:04
